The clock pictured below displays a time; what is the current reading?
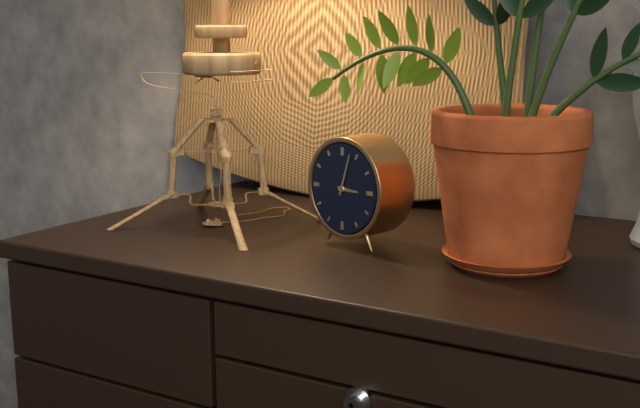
3:03
